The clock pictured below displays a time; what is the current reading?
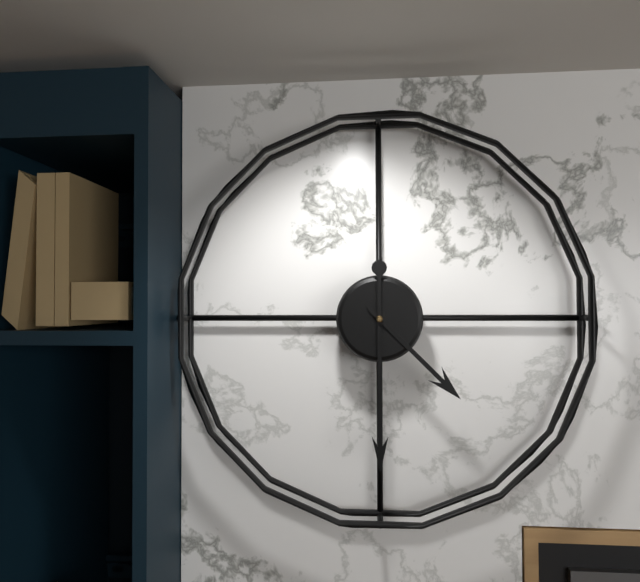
4:30
